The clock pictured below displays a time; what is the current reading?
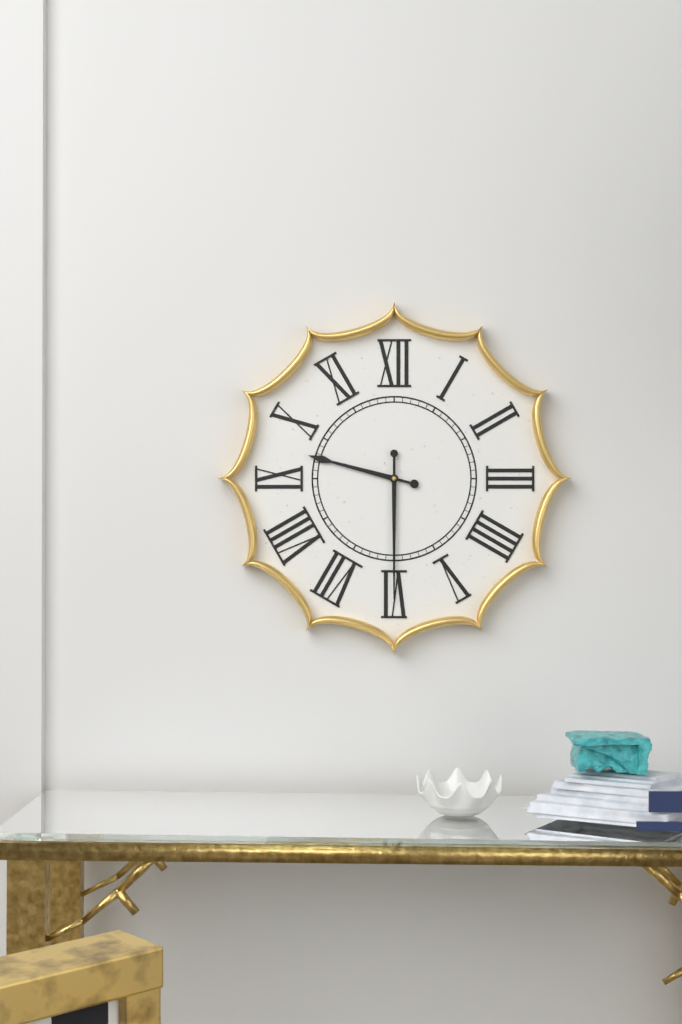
9:30
